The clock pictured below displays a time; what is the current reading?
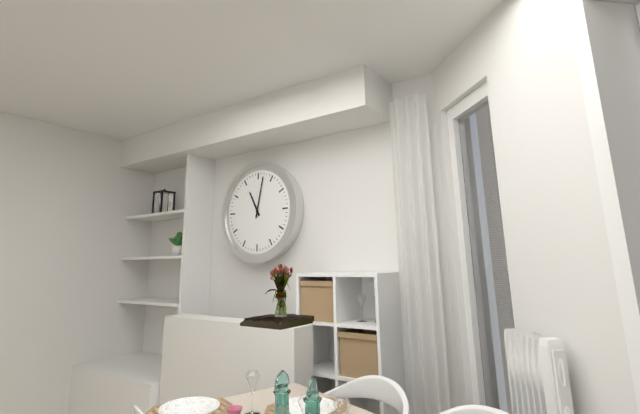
11:02
